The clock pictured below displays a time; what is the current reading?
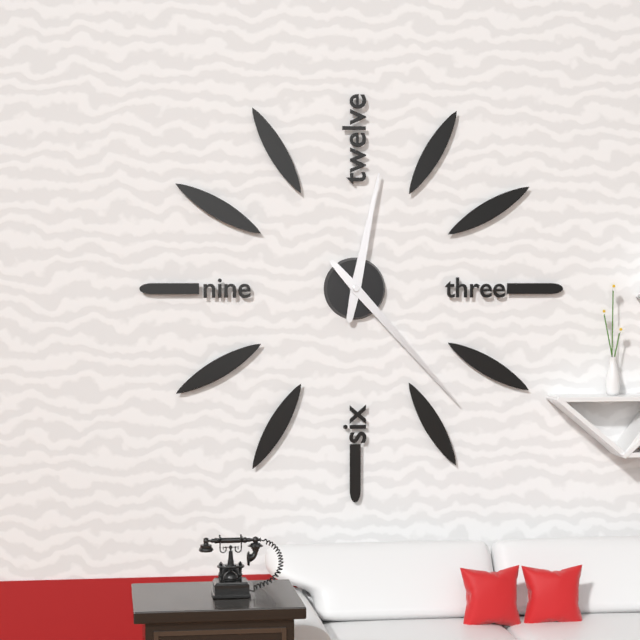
12:23
